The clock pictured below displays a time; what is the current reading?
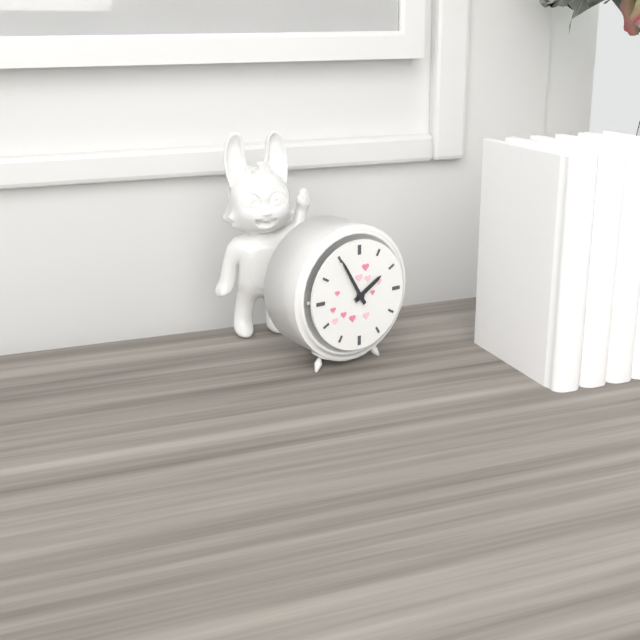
1:55
